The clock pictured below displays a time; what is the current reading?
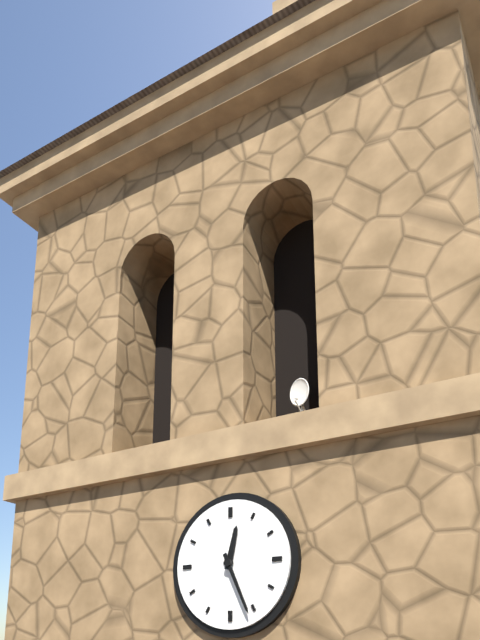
12:26
